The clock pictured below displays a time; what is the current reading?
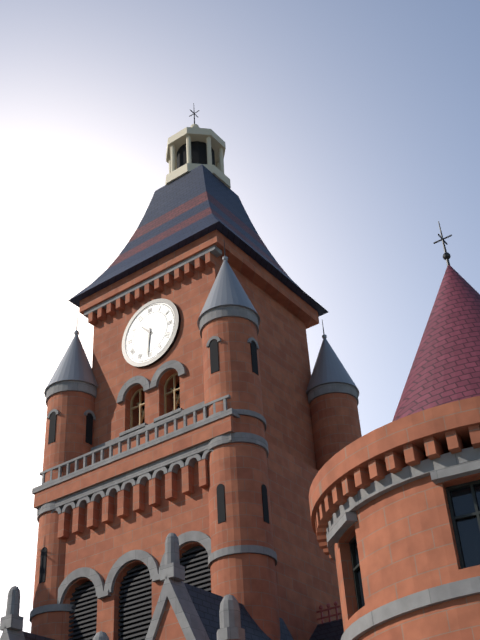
10:31
